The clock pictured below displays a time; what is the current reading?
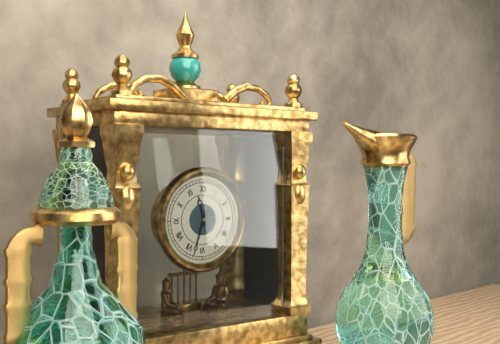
11:33
